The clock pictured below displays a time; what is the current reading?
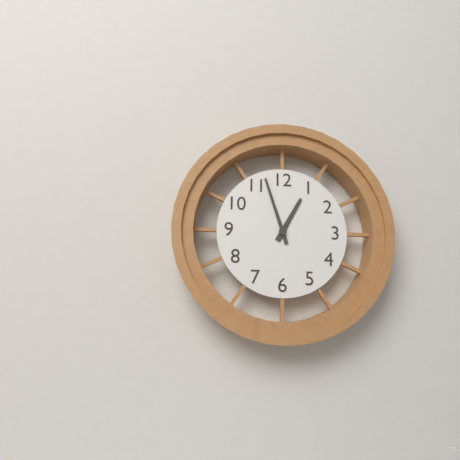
12:57
